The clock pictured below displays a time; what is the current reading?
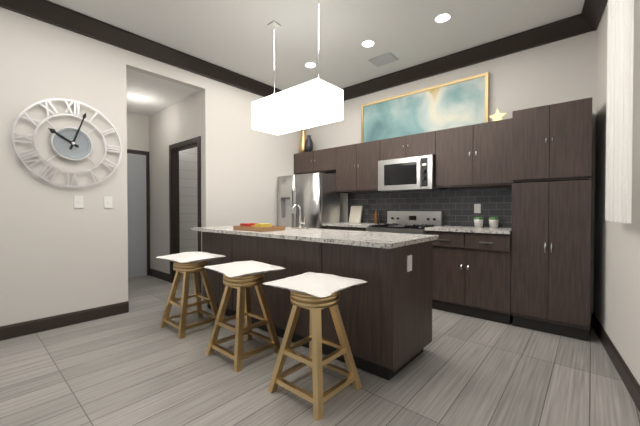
10:03
